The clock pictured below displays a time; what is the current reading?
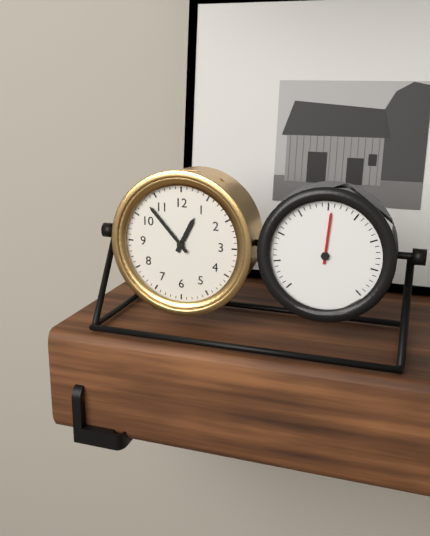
12:53
